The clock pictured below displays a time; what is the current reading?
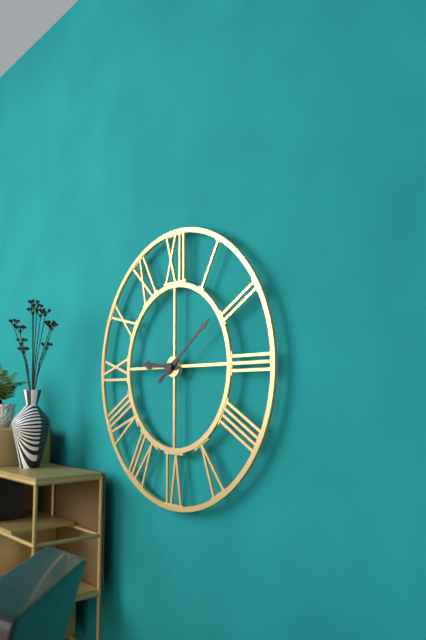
9:09
